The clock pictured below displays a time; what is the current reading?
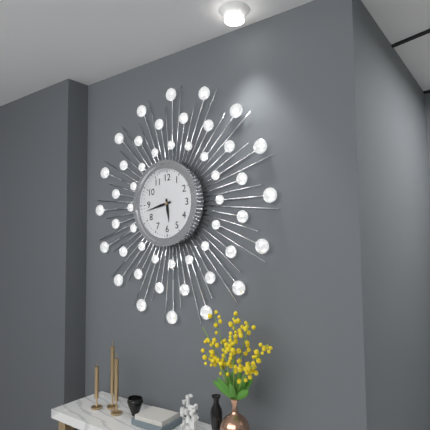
5:43
